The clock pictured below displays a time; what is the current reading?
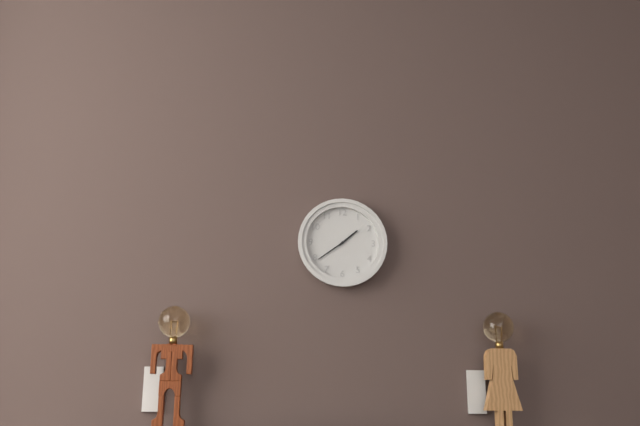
1:39
